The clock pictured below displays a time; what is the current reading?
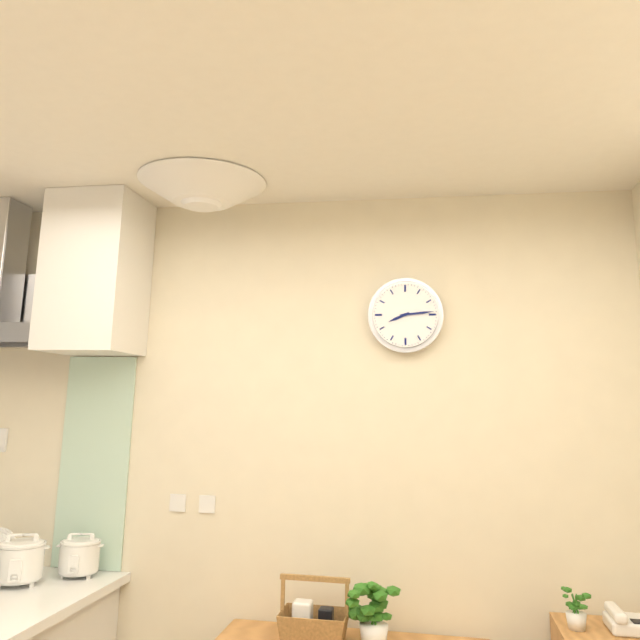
8:14
